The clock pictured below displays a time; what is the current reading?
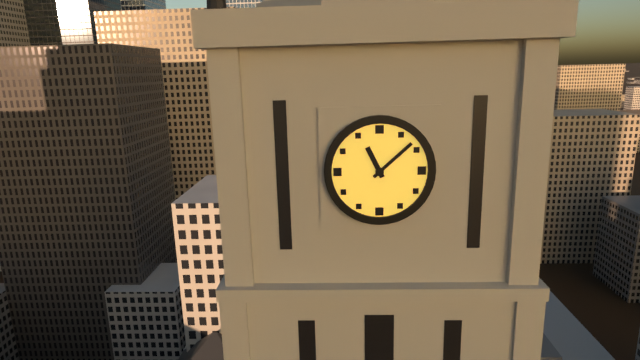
11:08
